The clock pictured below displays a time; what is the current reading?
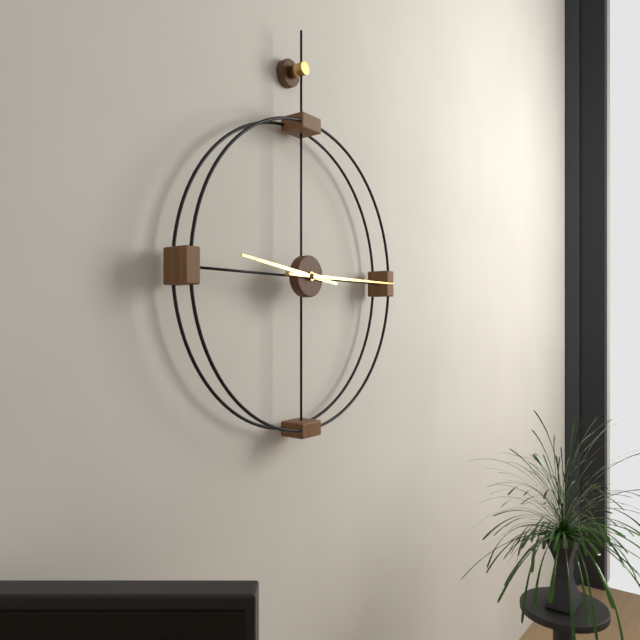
9:15
